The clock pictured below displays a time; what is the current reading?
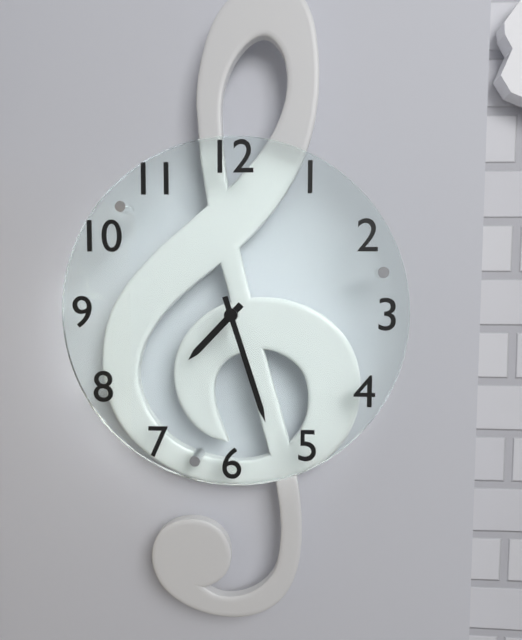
7:27
